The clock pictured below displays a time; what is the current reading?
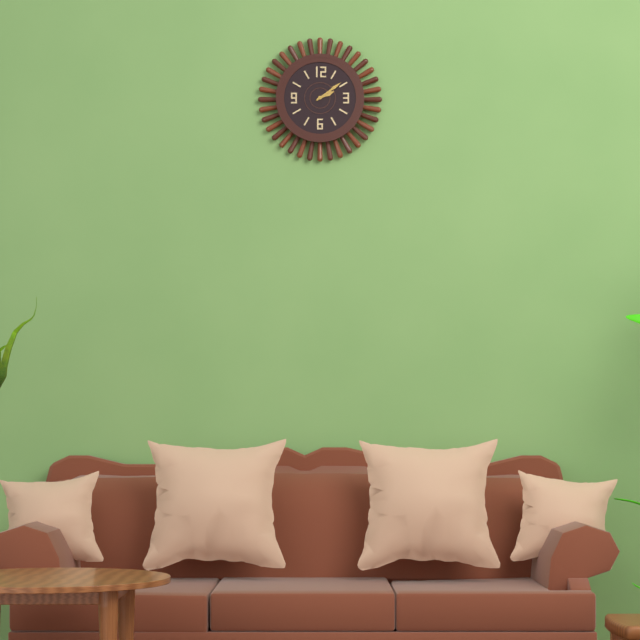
2:09
